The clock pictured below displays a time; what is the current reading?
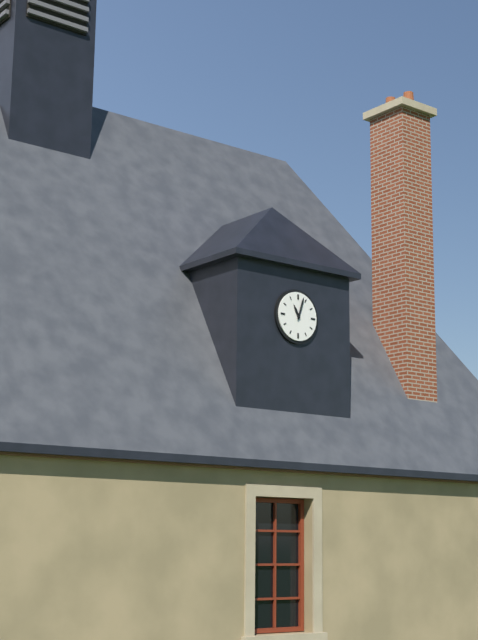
11:03
